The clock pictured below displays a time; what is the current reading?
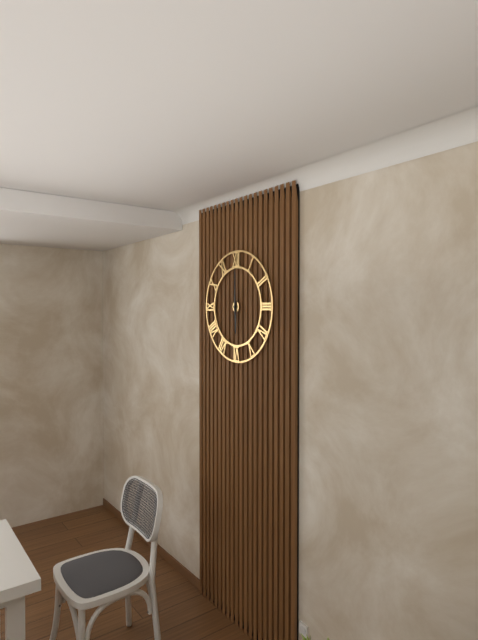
6:00
